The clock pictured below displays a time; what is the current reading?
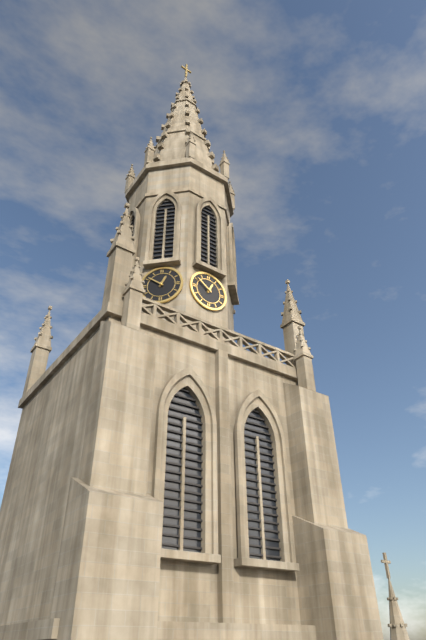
12:51
